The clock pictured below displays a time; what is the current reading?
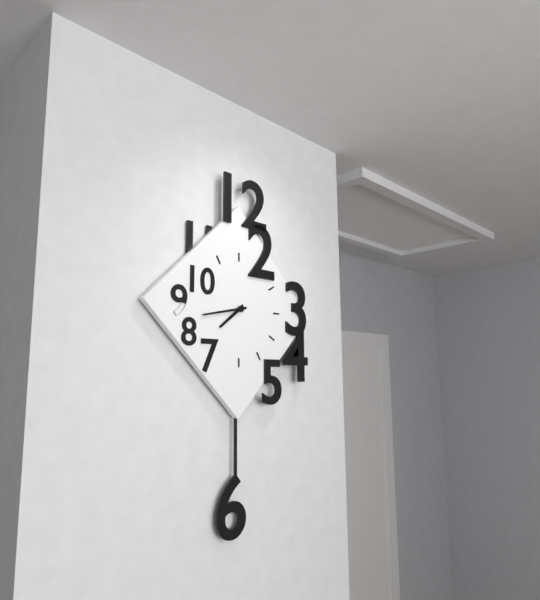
7:43
